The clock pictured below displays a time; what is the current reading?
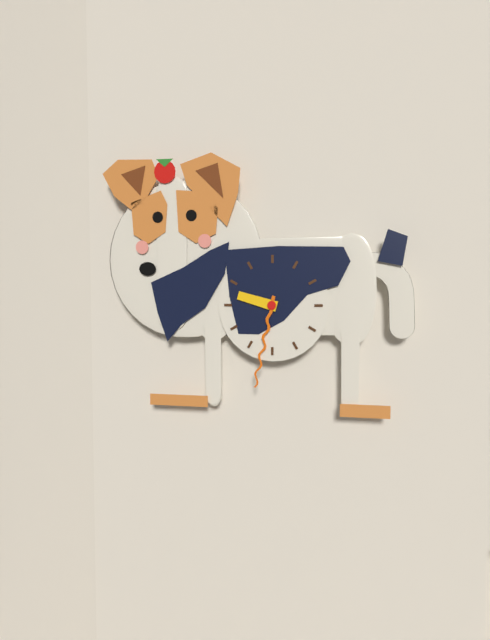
9:32
